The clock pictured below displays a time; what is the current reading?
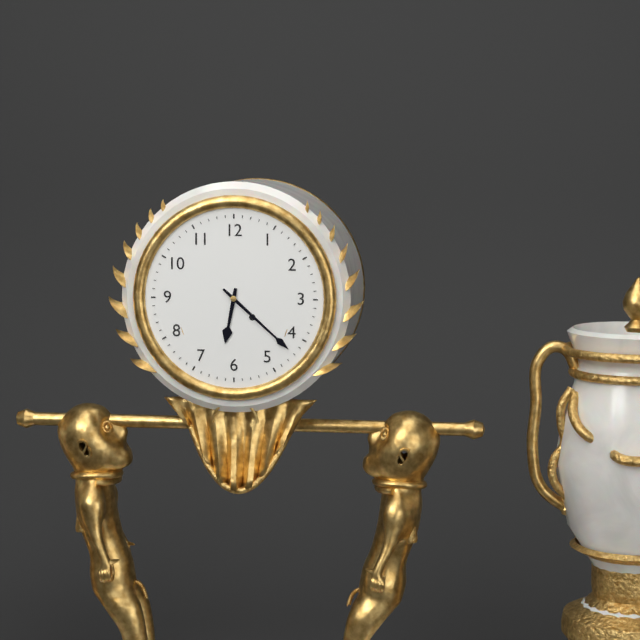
6:22
